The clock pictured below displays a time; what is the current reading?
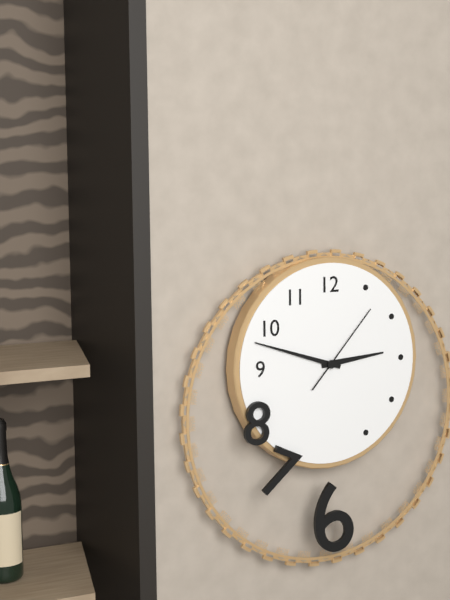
2:48:07
